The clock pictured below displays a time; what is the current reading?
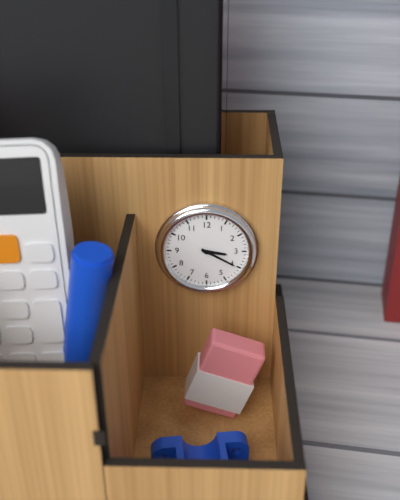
3:20
